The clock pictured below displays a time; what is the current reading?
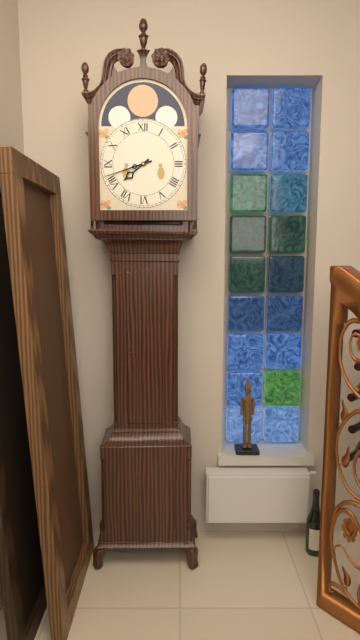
7:42
